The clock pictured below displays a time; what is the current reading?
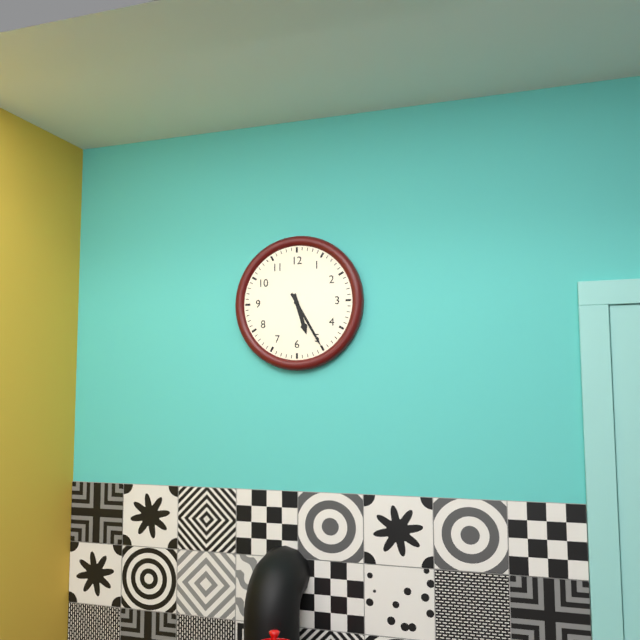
5:25
